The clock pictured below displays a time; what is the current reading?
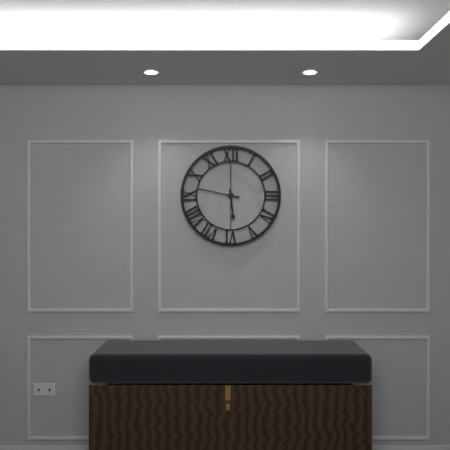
5:47
